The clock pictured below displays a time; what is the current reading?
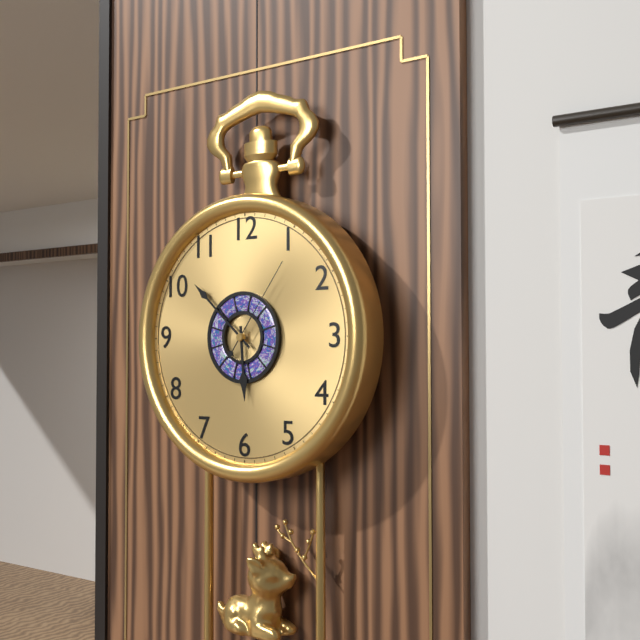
5:52:06
